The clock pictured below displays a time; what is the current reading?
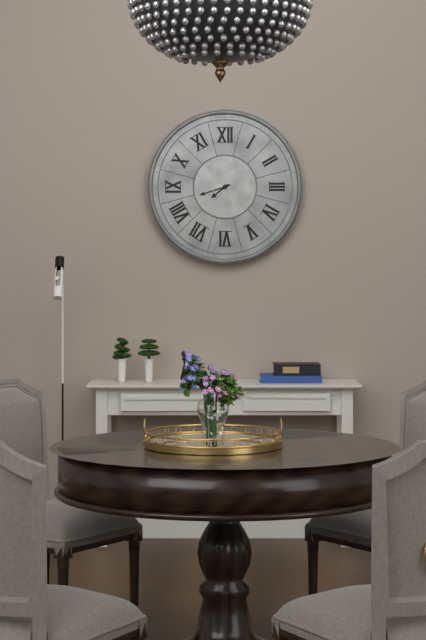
7:42
